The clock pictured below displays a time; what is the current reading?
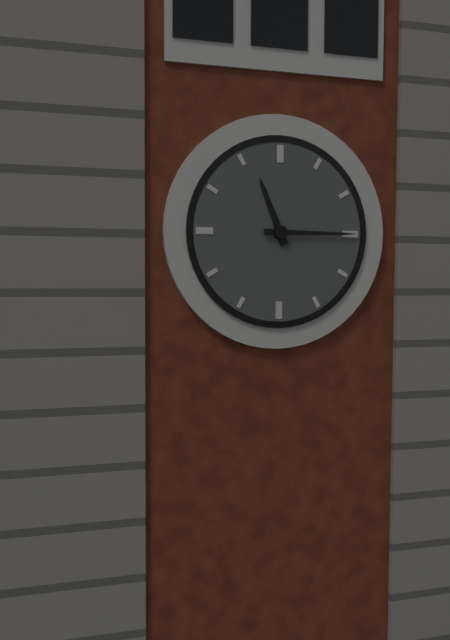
11:15
